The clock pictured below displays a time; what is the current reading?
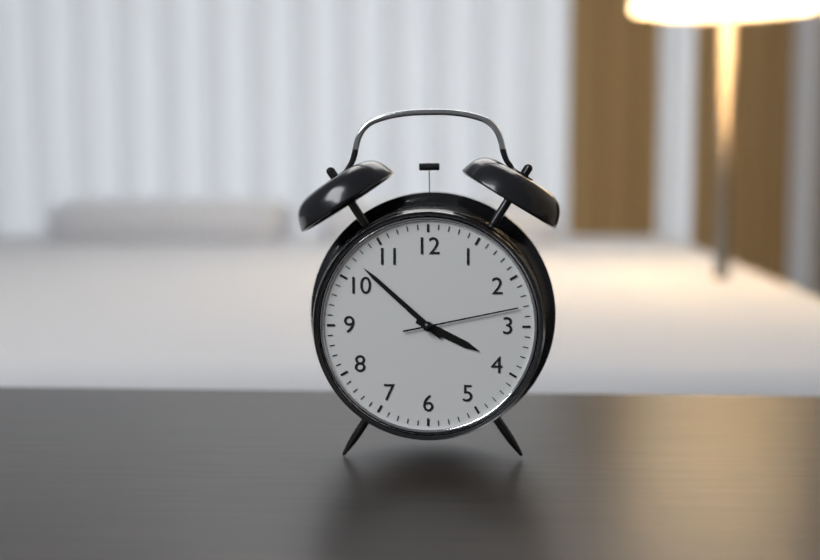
3:52:13
